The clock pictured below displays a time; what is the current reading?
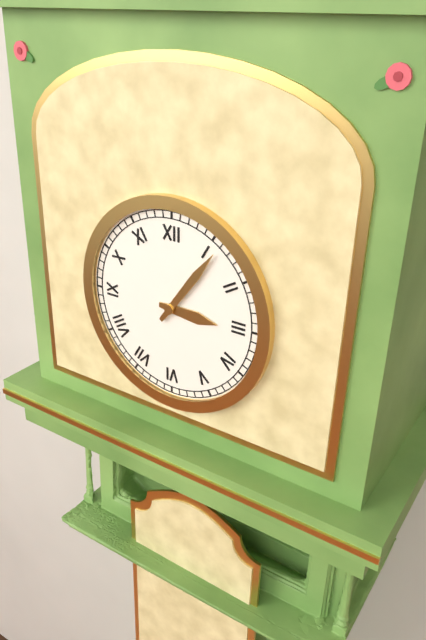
3:06
